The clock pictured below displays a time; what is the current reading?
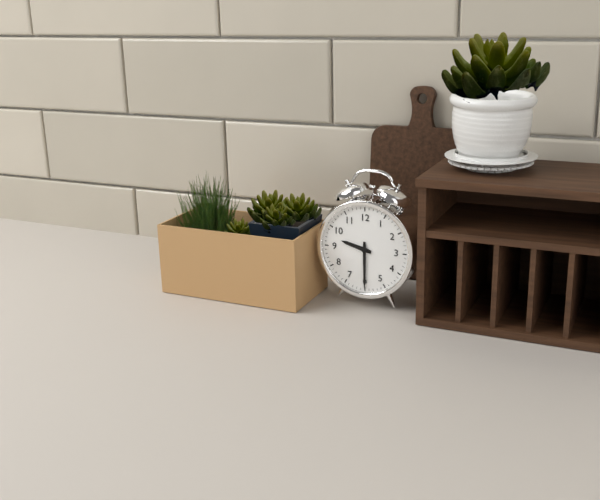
9:30
